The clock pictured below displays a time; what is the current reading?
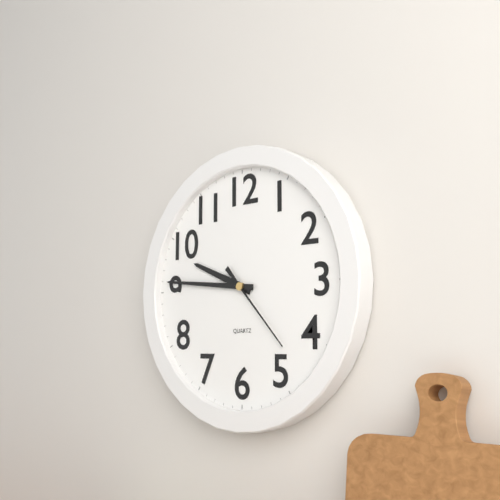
9:46:23
